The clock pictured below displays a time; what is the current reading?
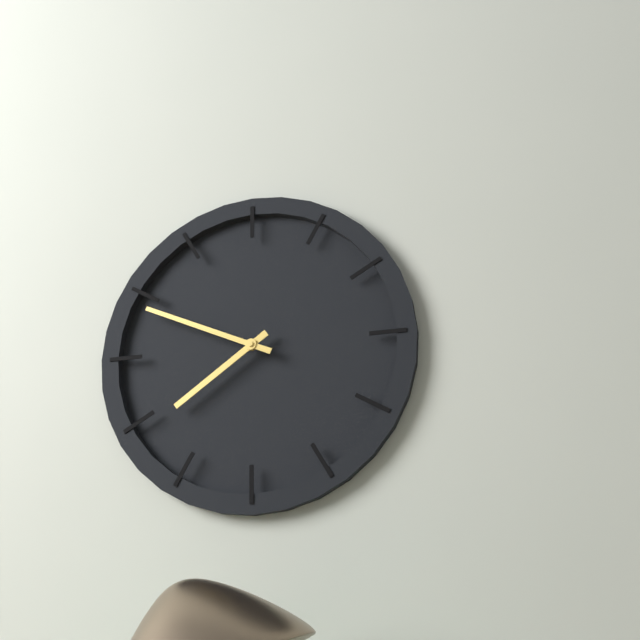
7:49
